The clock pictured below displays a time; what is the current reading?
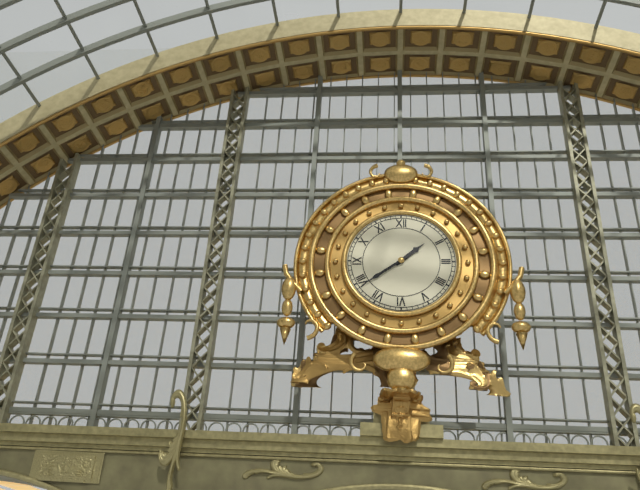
1:39
